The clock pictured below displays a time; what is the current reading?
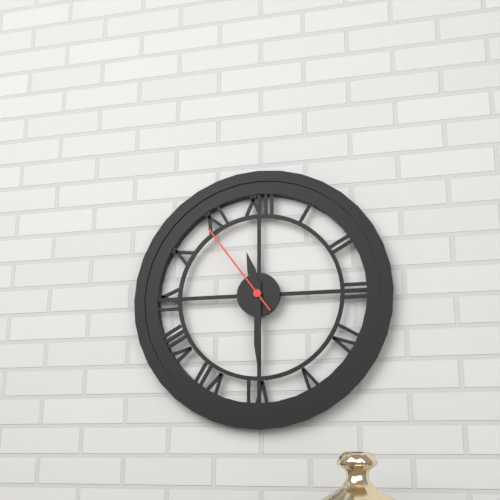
11:30:54
